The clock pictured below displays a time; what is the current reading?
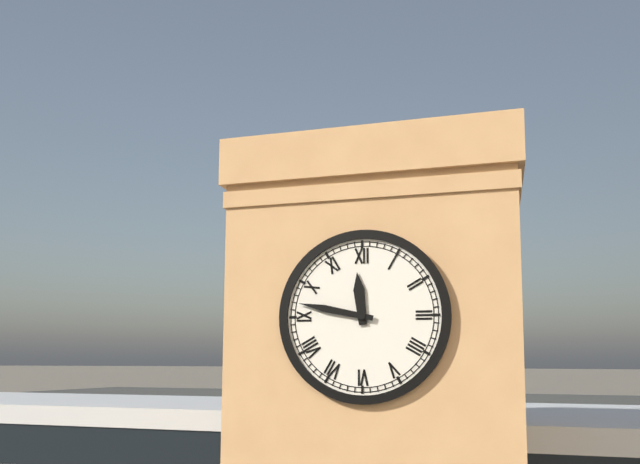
11:47
